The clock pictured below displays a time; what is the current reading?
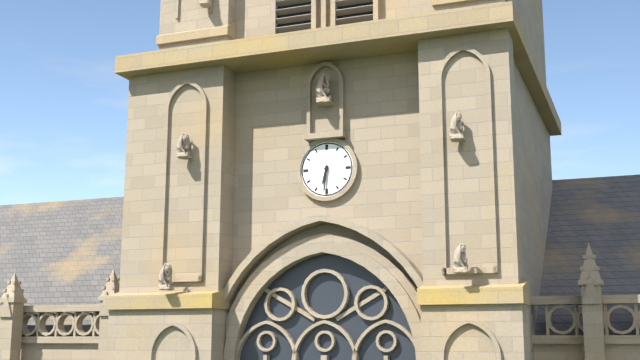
6:31
